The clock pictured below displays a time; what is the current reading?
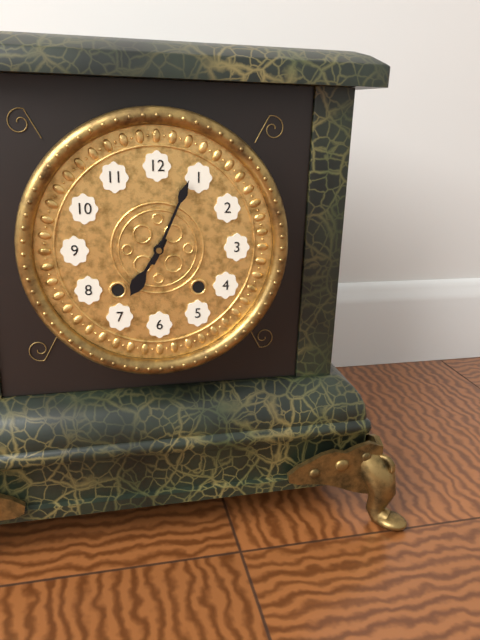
7:04
